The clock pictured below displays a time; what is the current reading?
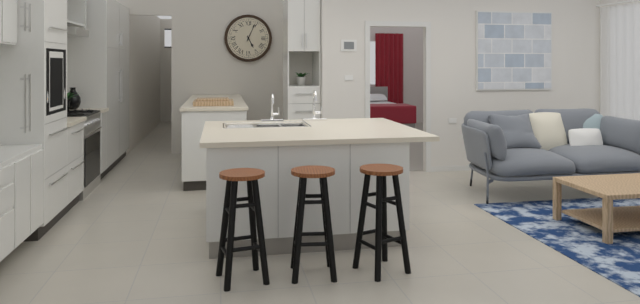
5:04
